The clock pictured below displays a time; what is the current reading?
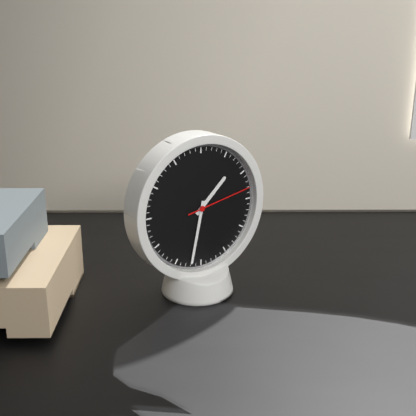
1:32:13
